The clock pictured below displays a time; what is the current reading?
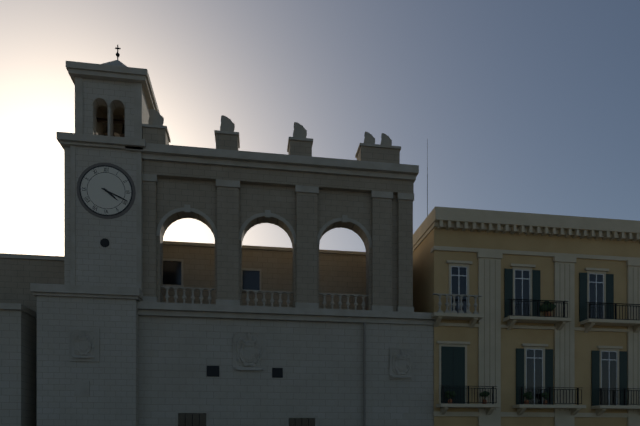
4:19
